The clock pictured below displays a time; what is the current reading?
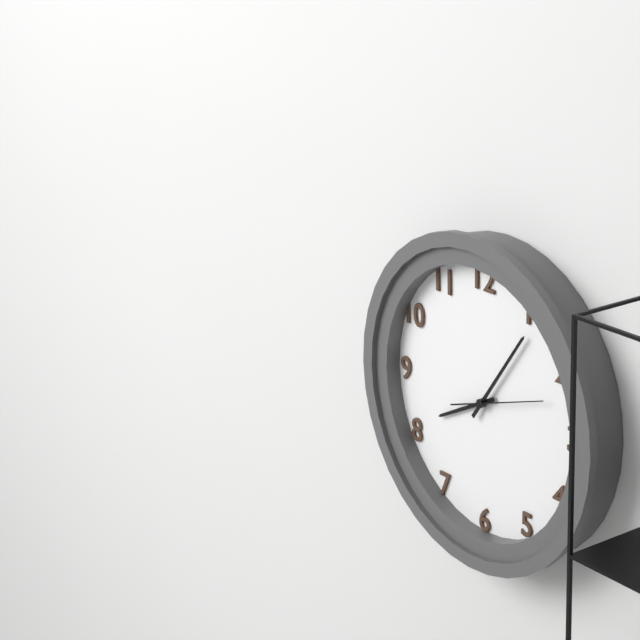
8:06:12
